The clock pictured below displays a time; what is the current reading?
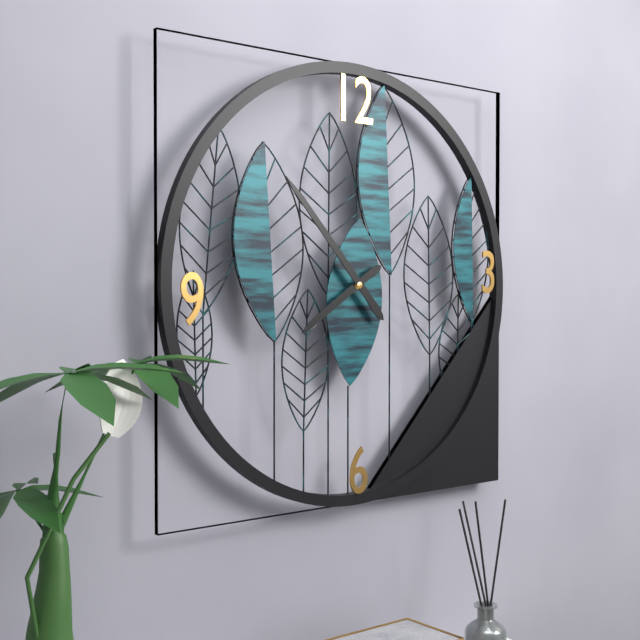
7:53
